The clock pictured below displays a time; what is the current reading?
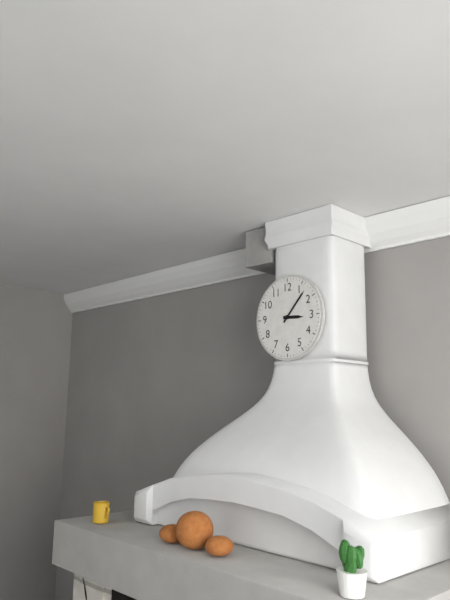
3:07
